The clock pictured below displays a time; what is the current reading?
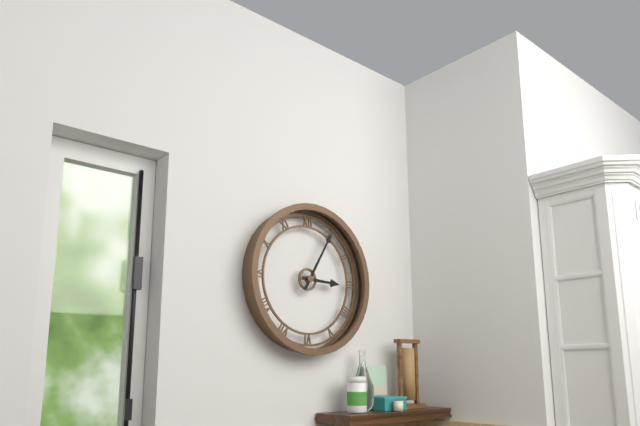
3:05
